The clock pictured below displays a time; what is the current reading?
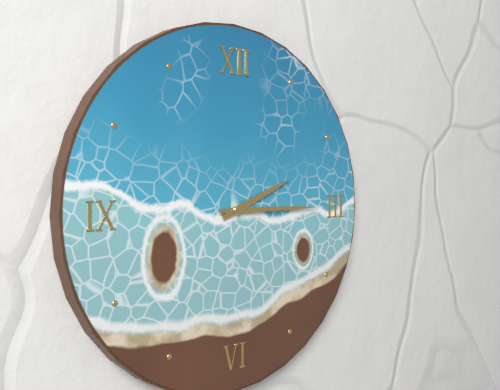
2:15
